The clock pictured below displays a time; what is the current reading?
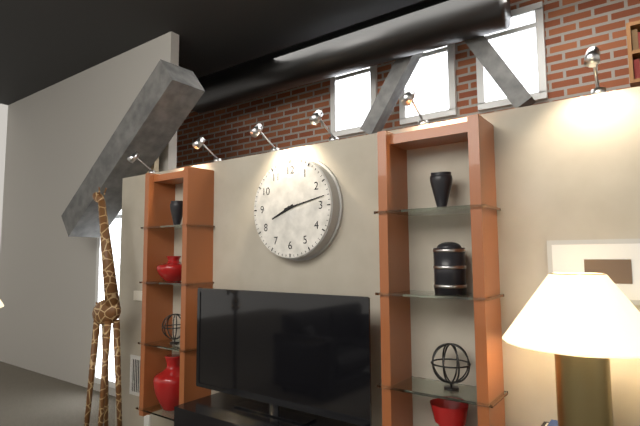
8:13
